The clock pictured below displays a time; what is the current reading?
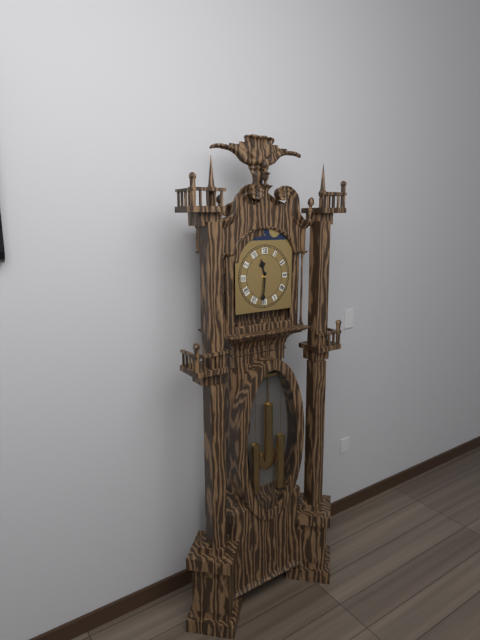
11:31
